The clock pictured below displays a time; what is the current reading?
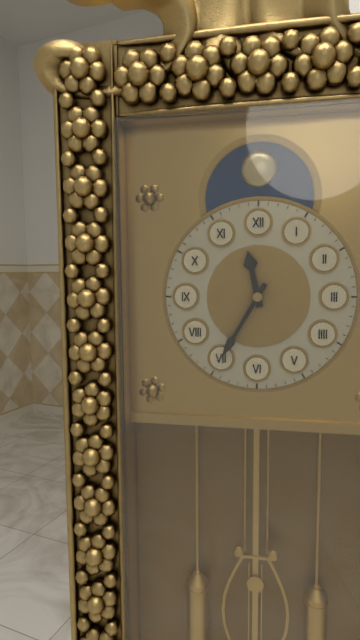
11:35
